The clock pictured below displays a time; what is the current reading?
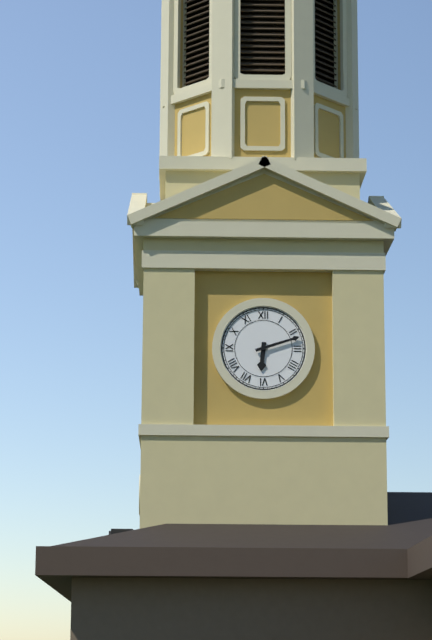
6:12
